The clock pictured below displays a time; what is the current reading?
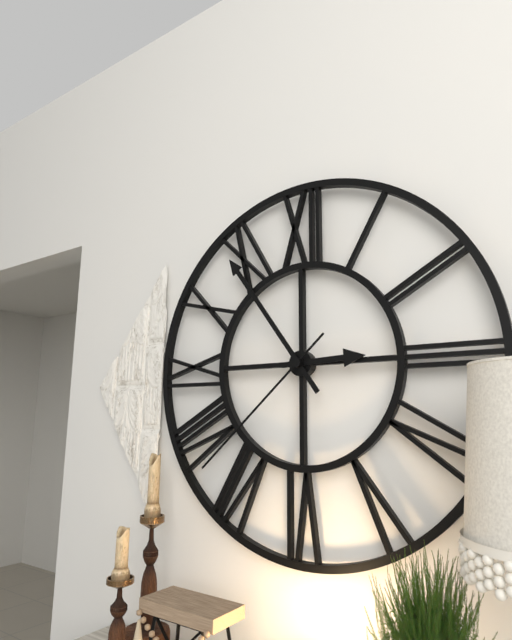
2:54:38
